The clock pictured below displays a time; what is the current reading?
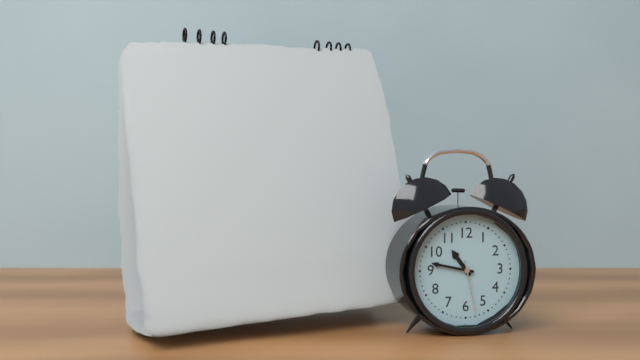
10:47:28
